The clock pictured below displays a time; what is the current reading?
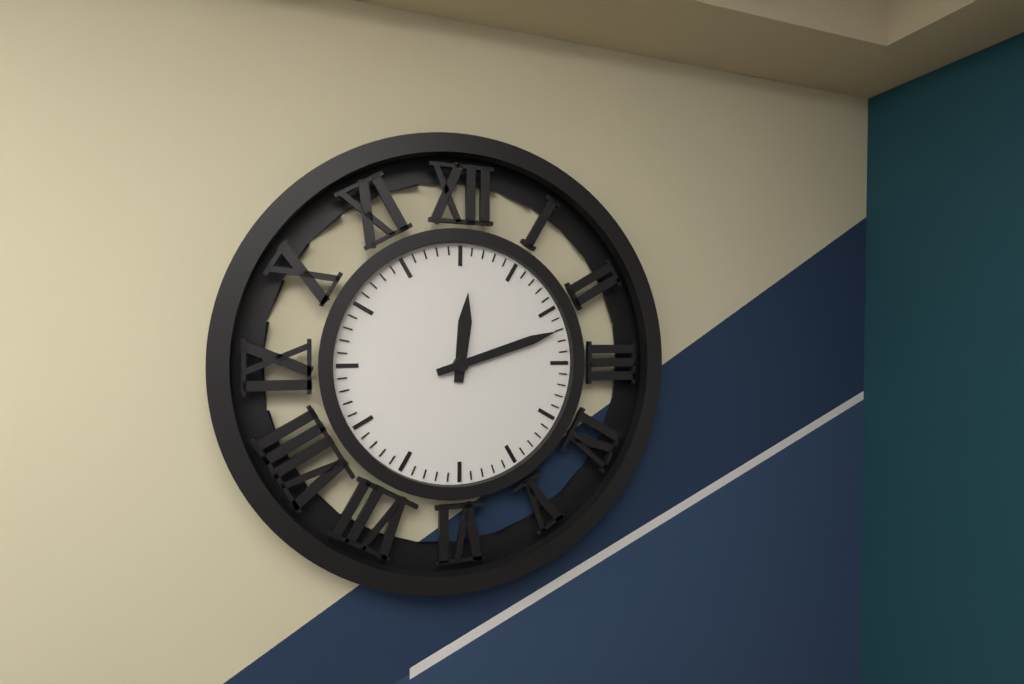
12:12
